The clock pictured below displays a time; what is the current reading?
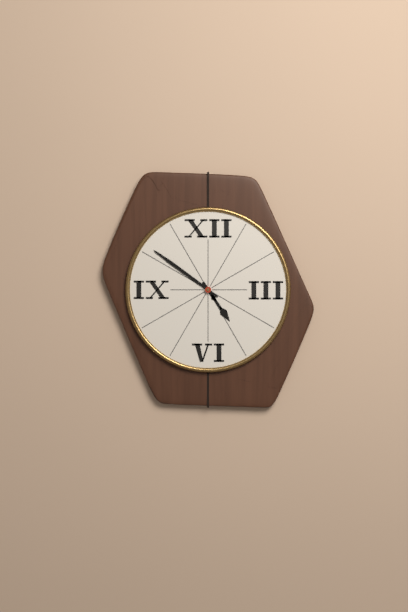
4:51
